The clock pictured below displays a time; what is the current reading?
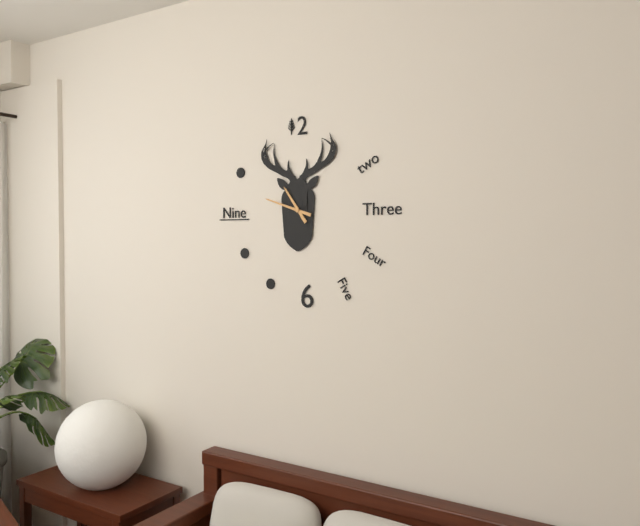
10:48
